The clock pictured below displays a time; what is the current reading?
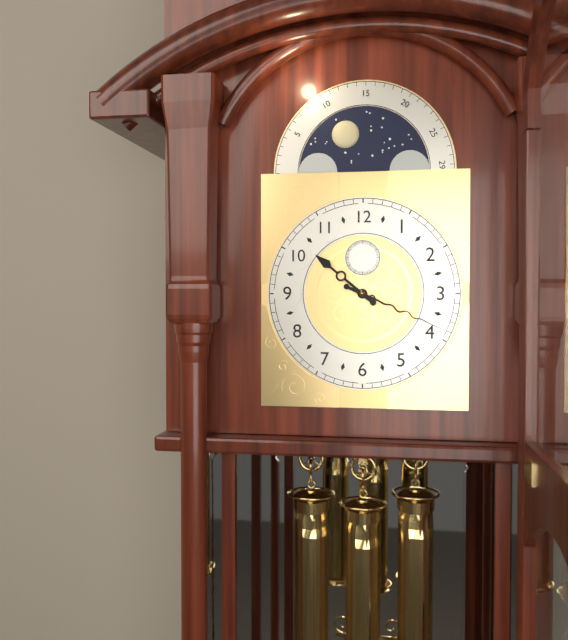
10:19
